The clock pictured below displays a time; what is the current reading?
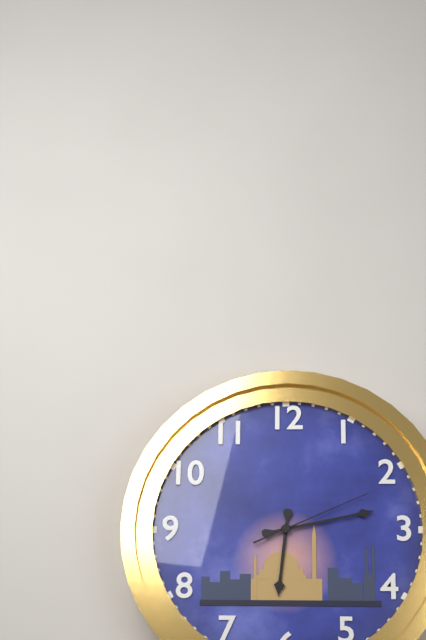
6:13:11
